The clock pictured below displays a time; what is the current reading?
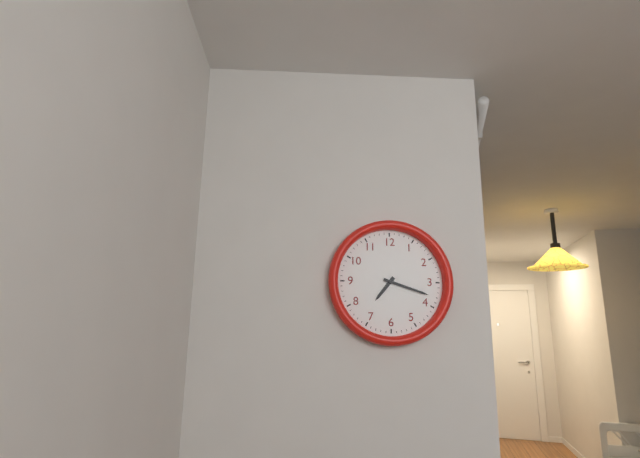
7:18
